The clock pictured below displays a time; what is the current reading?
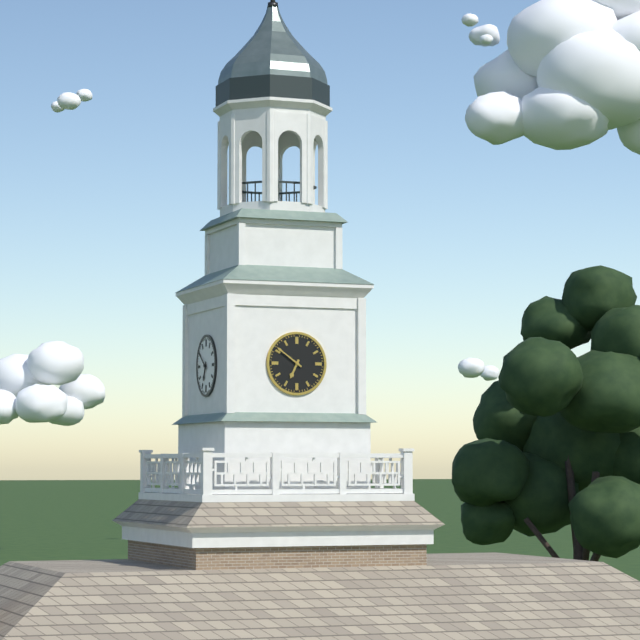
6:51
